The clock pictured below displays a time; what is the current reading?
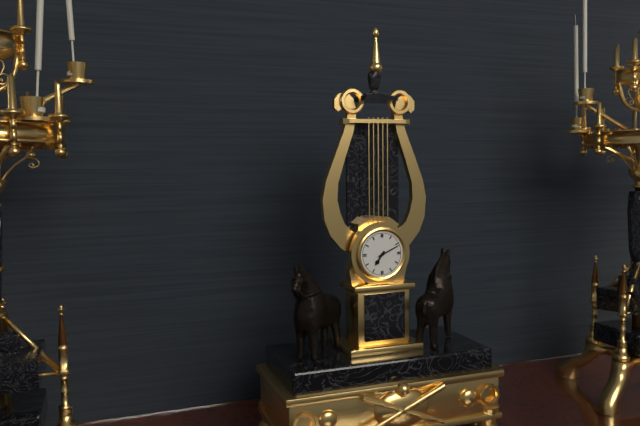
7:11
